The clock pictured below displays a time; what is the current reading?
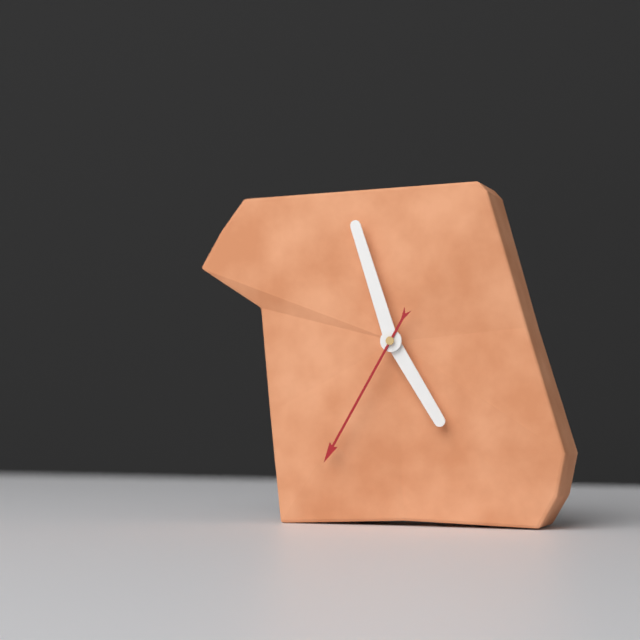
4:57:35
